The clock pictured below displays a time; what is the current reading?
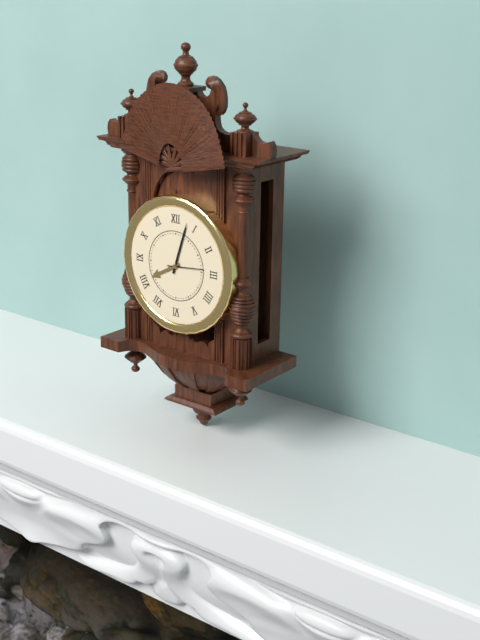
8:03
